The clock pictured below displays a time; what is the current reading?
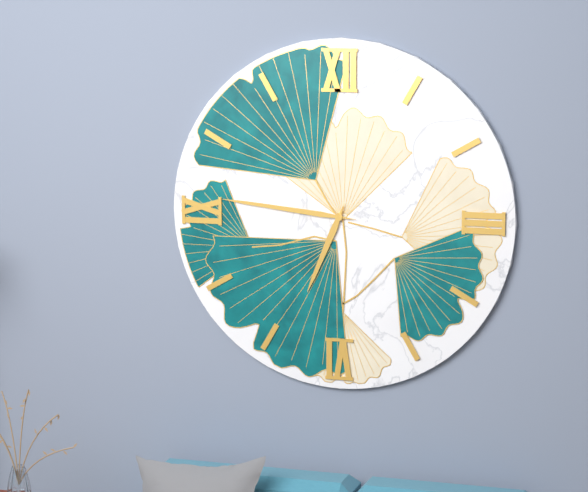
6:46
